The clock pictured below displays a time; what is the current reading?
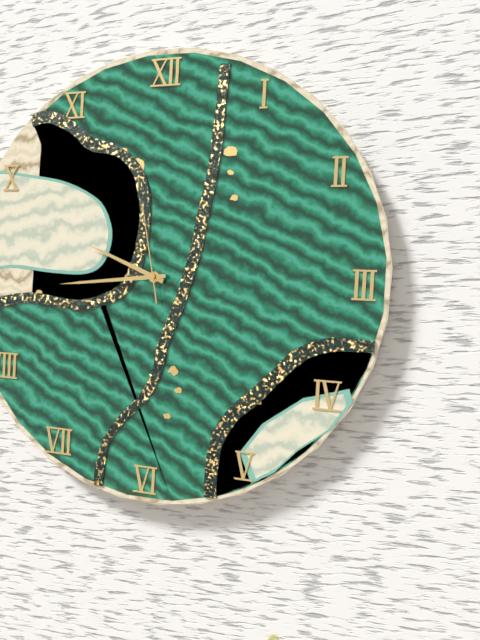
9:44:58
